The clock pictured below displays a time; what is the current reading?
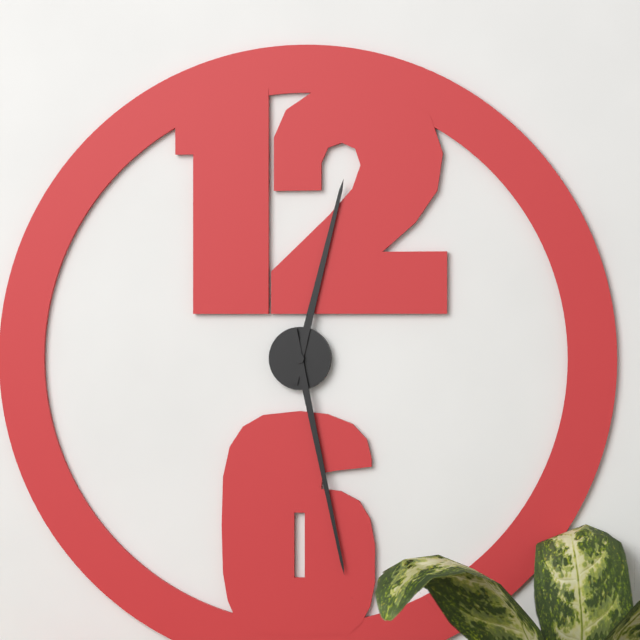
12:28
